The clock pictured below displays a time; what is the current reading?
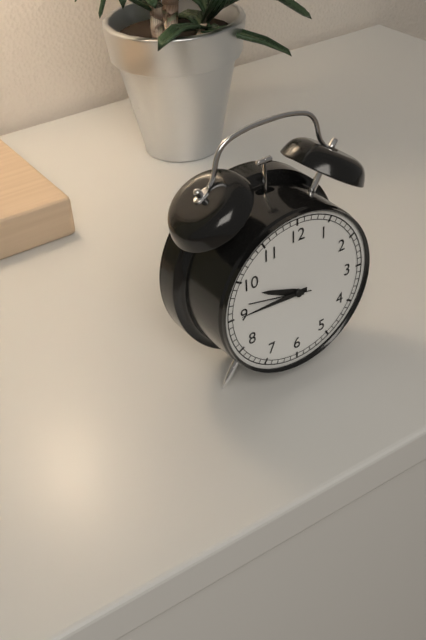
9:45:47
